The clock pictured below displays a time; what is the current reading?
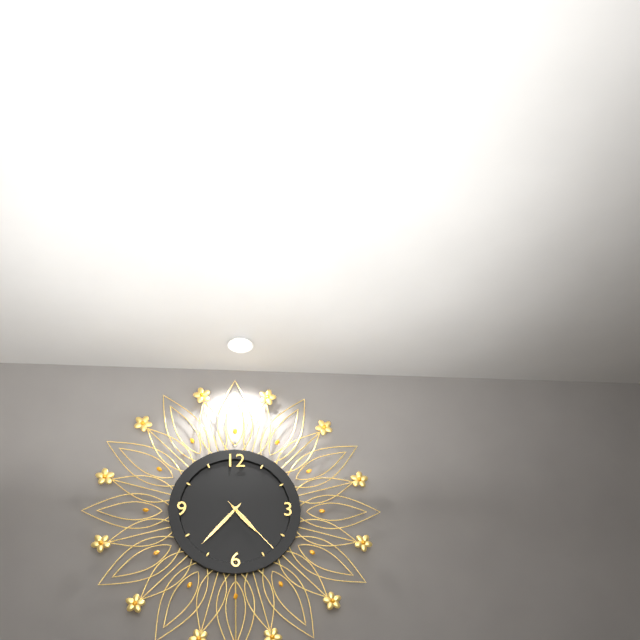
4:37:23
